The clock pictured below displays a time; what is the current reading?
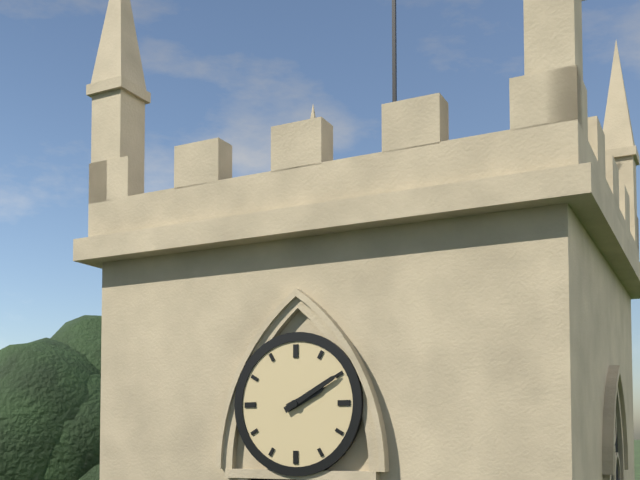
2:10
